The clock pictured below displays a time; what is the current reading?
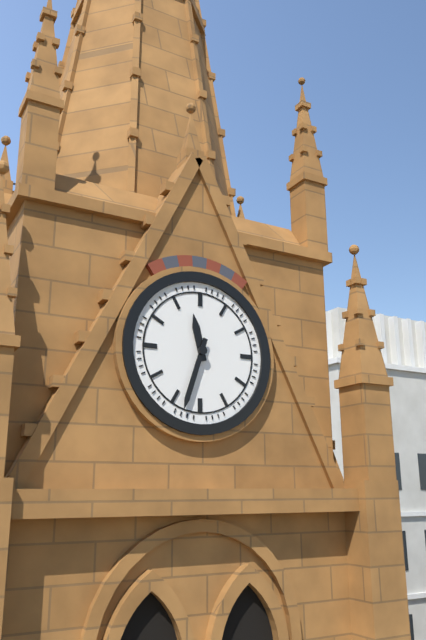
11:33
